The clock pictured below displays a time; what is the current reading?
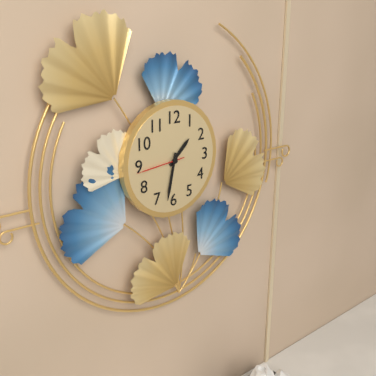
1:32:44
